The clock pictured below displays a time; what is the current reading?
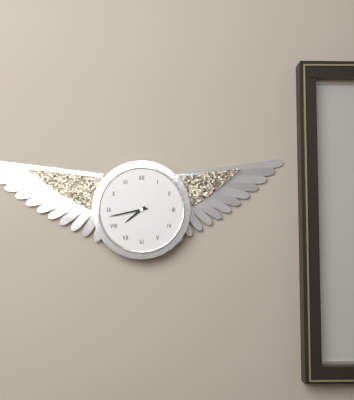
7:43
